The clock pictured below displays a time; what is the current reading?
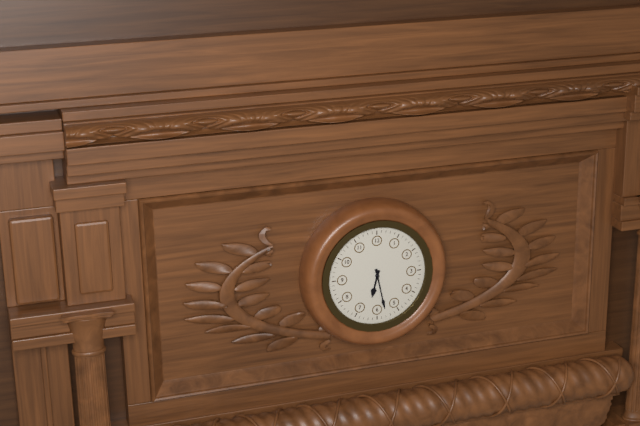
6:28
